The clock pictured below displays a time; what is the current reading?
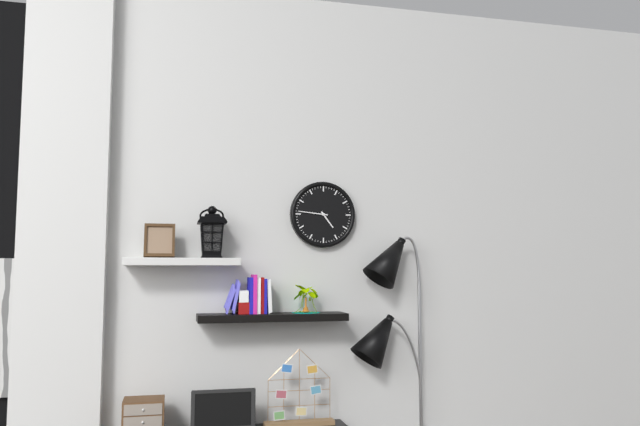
4:46
